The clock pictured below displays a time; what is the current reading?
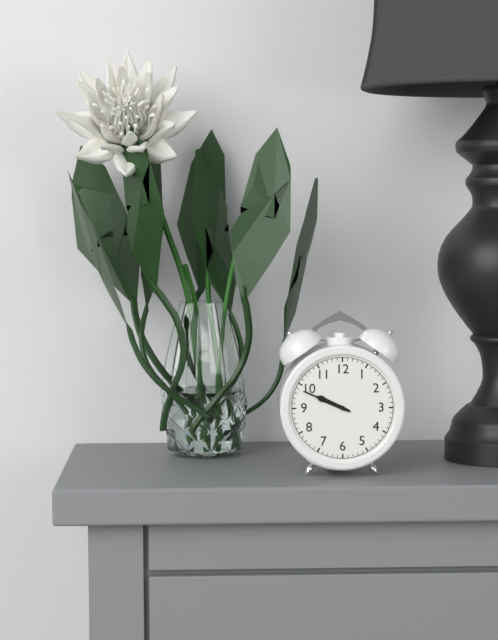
9:49
